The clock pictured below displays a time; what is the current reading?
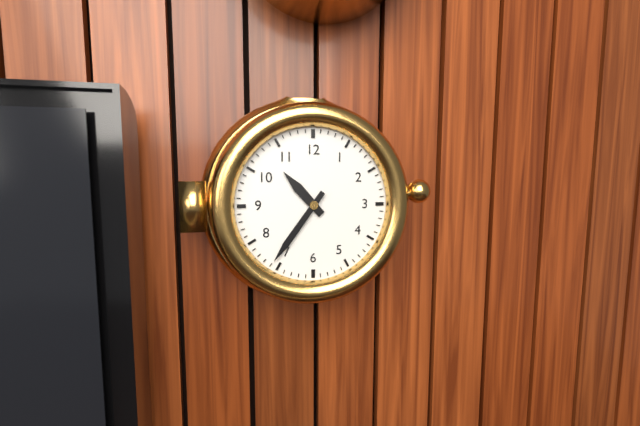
10:36
